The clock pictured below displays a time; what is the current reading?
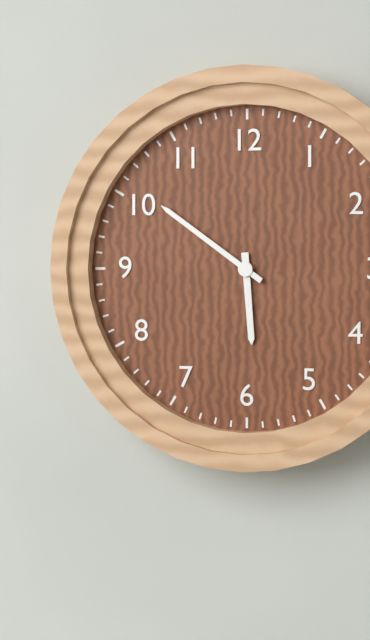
5:51
